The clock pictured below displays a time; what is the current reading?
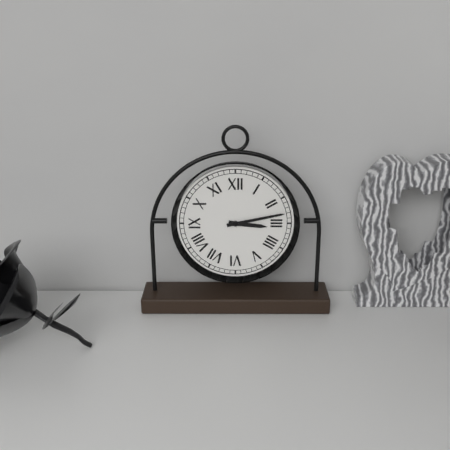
3:13
